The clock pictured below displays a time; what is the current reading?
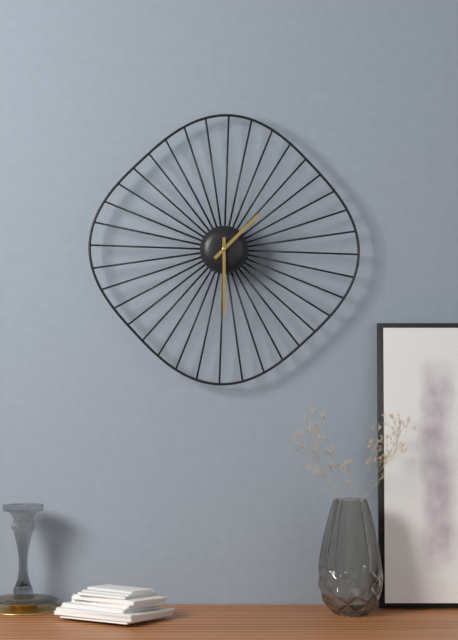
1:30
